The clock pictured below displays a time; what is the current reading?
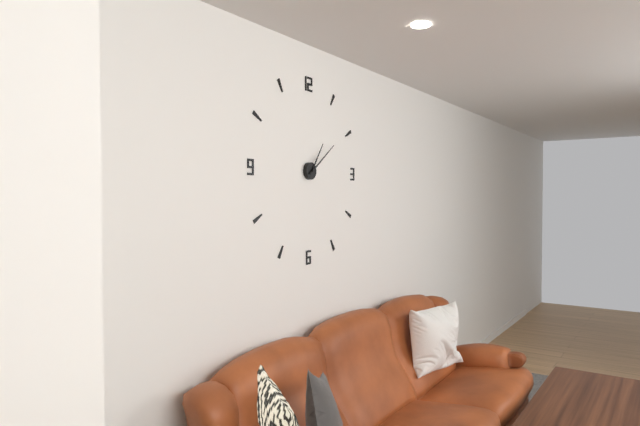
1:09
